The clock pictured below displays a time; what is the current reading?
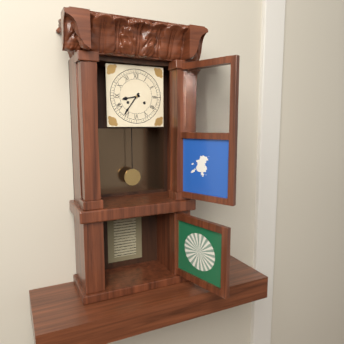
8:36
